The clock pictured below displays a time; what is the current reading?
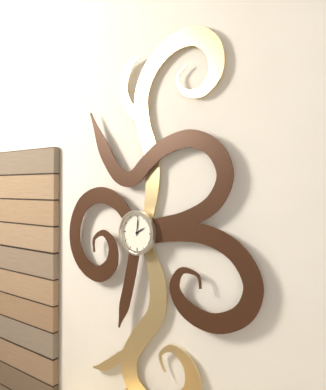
2:01
